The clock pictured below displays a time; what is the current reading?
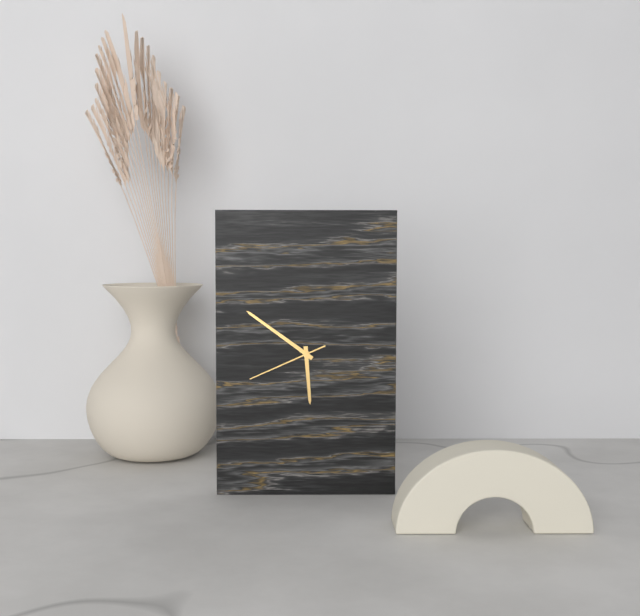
5:51:41
